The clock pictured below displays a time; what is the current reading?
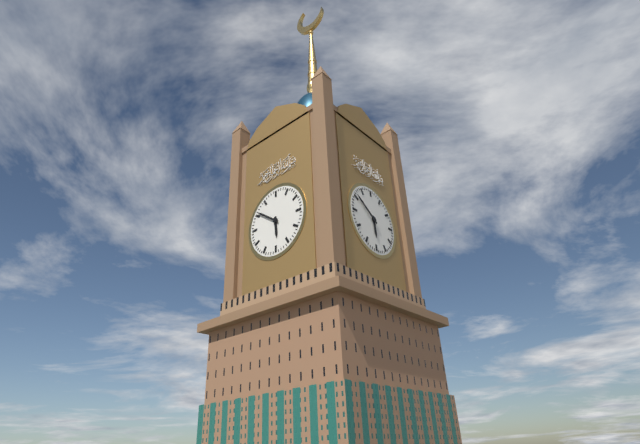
5:51
